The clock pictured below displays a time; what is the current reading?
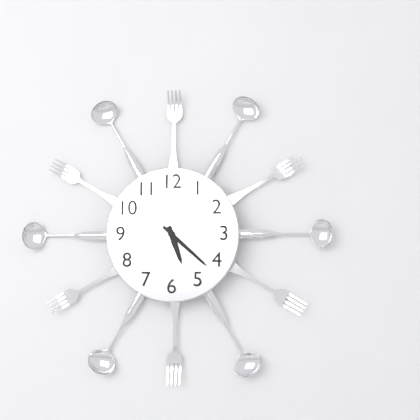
5:22
